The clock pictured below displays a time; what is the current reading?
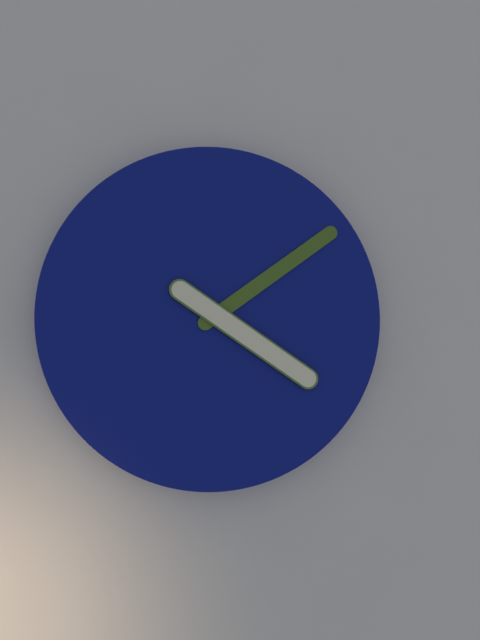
4:09
